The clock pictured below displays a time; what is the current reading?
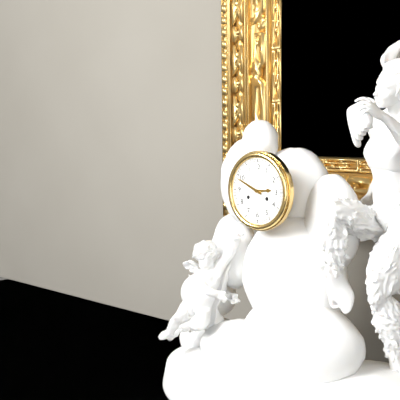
2:49
